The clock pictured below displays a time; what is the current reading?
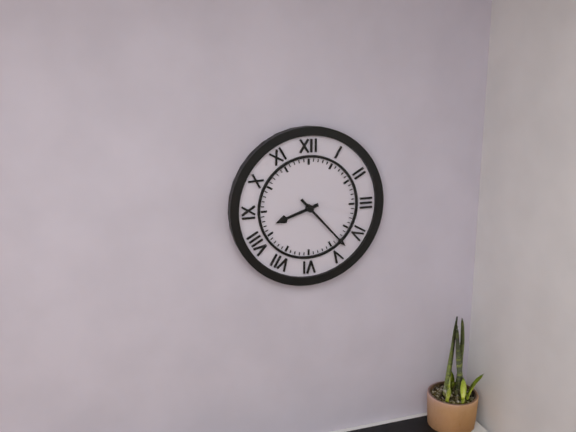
8:23
